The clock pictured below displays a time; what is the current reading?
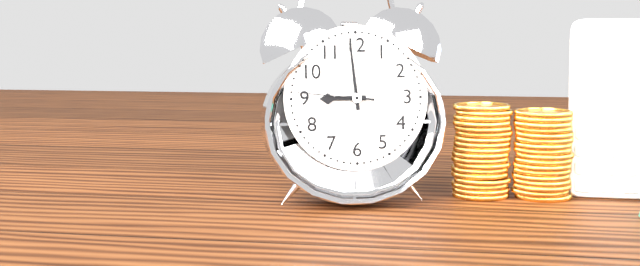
8:59:46
